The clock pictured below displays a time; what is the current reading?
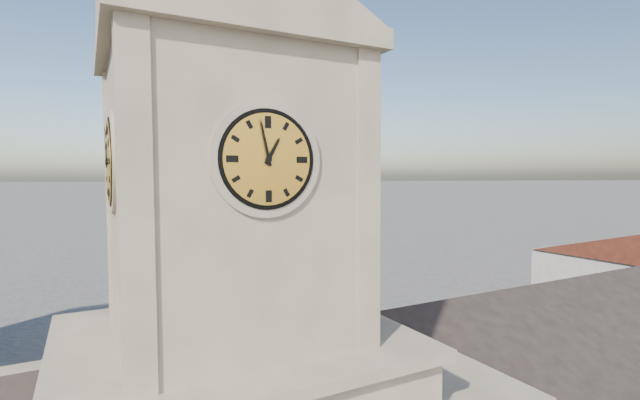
12:58
